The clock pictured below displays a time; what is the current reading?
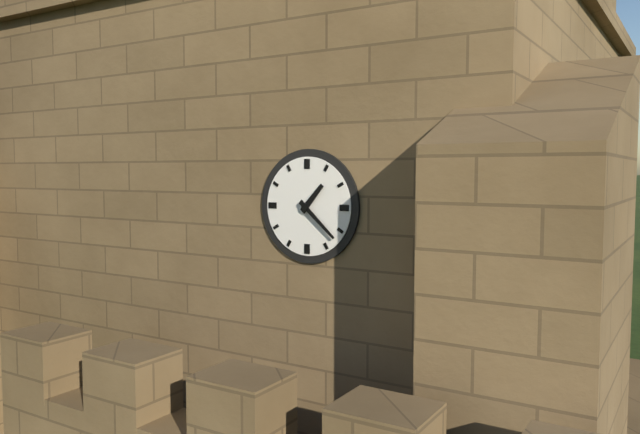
1:22
